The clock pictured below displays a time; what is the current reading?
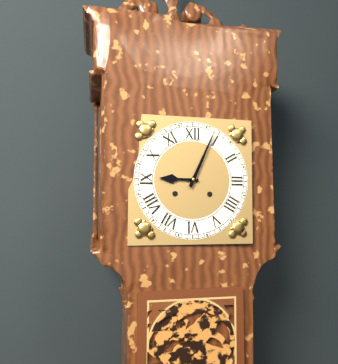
9:04
